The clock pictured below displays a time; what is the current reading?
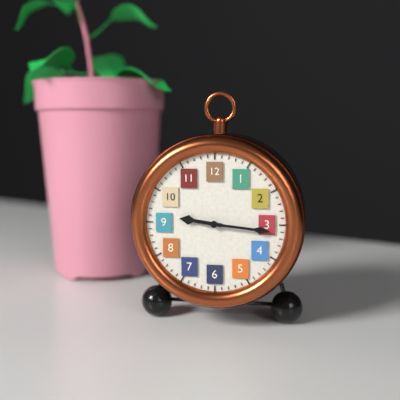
9:16
